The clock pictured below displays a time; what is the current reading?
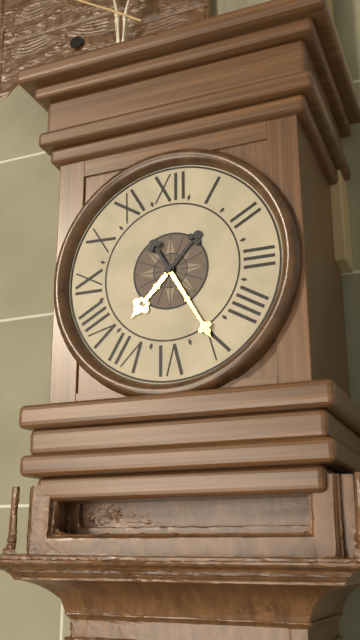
7:25
